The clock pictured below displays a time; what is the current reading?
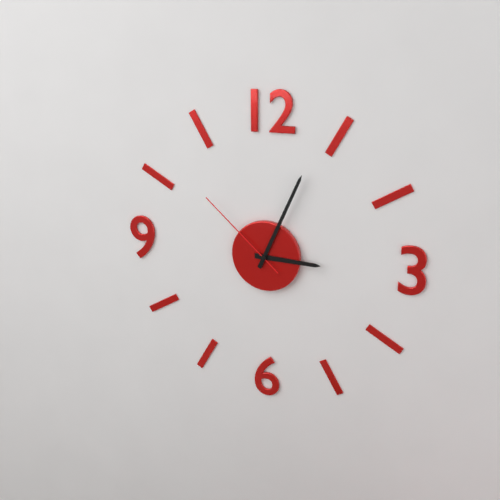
3:04:52
